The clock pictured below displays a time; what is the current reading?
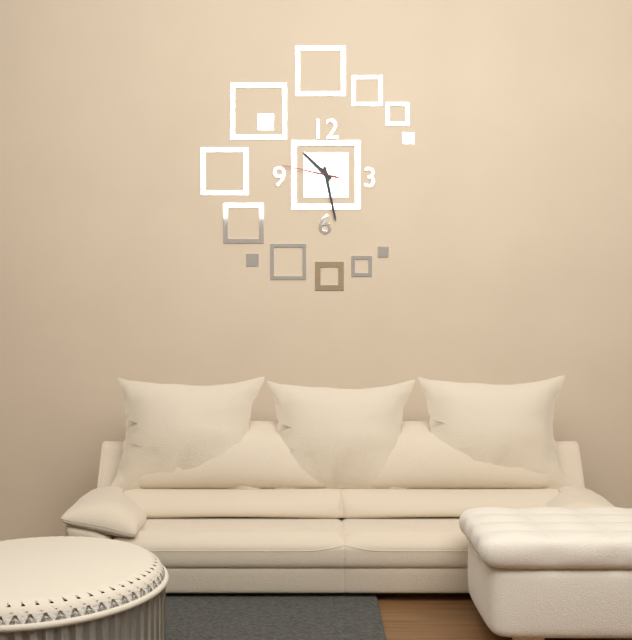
10:28:47
